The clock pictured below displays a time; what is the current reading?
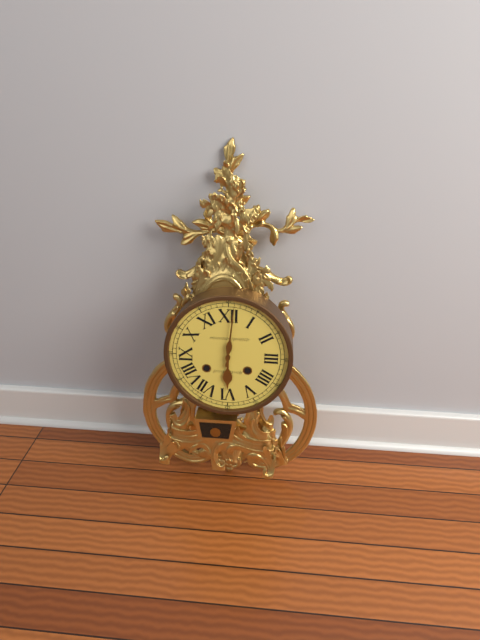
6:01
